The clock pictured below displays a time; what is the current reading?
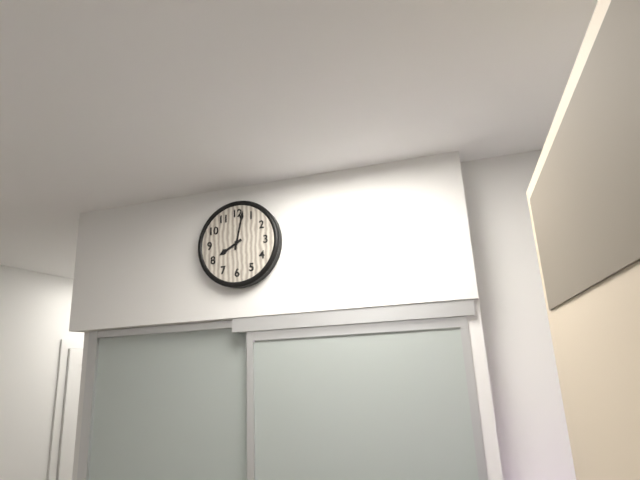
8:02
